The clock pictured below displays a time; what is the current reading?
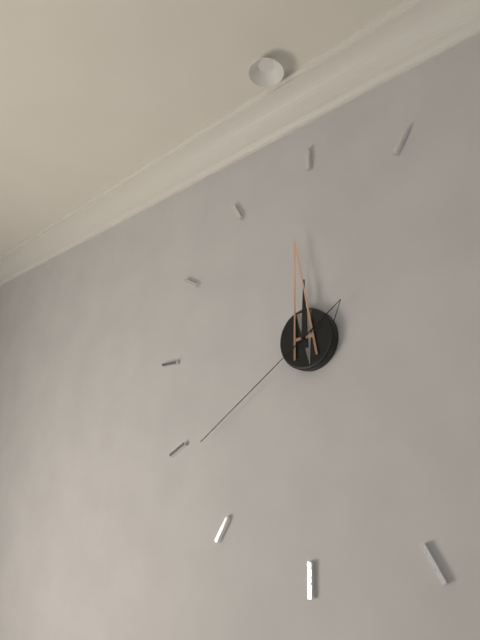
11:59:39
